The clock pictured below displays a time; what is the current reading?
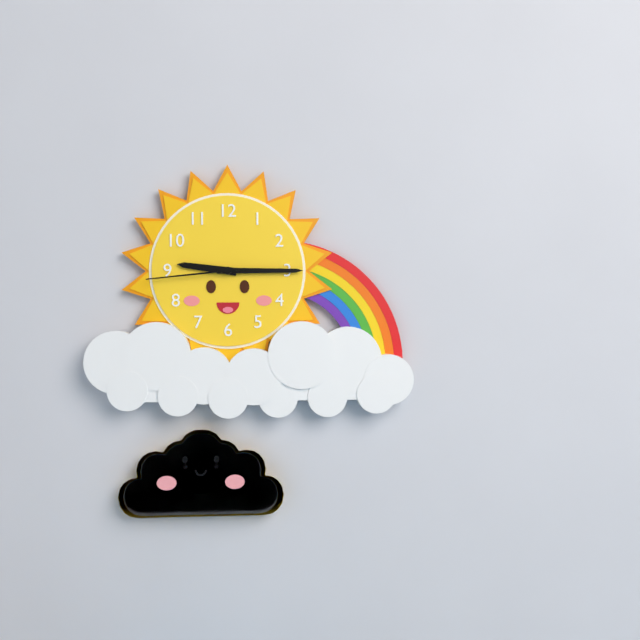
9:15:44
